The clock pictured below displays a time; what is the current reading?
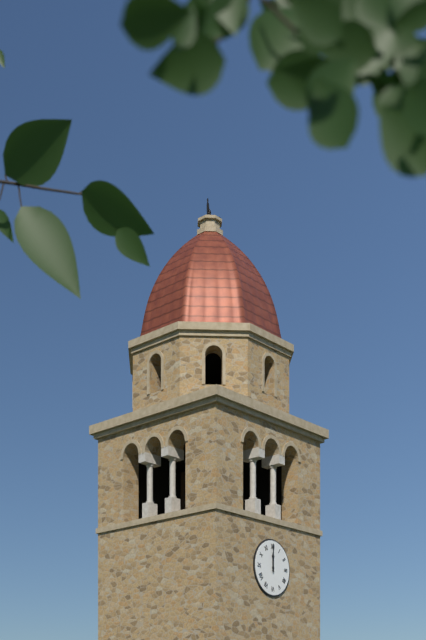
12:00
